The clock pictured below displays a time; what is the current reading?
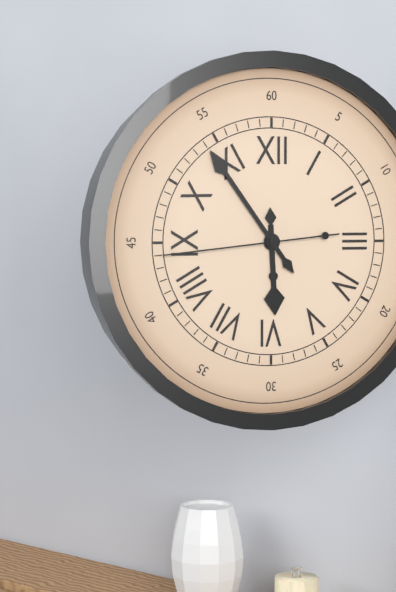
5:54:44
